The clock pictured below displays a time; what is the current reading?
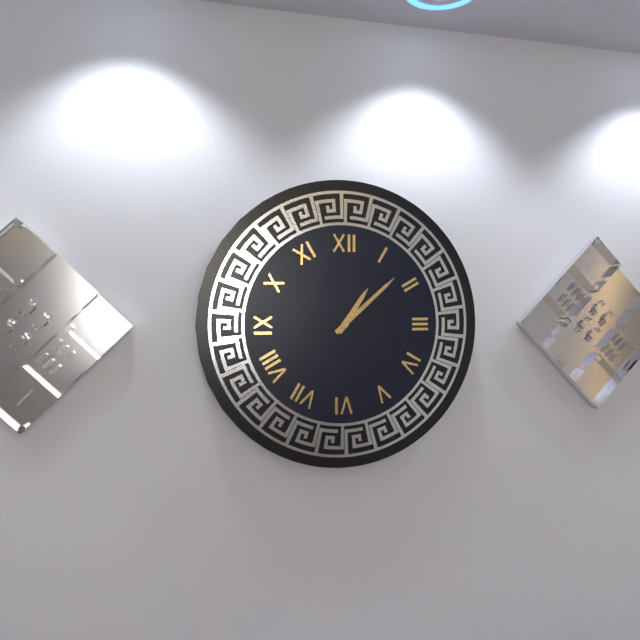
1:08
